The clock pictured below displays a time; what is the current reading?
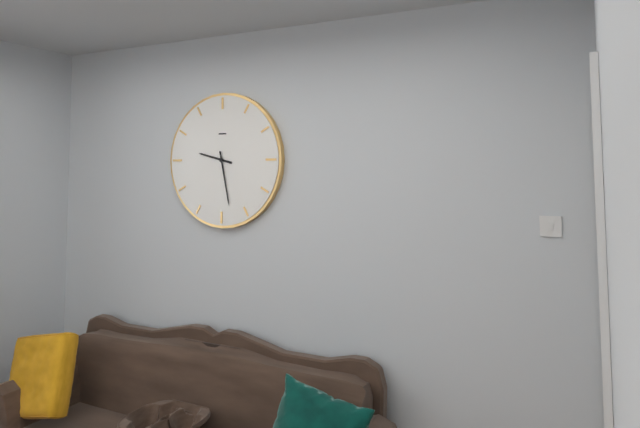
9:28
